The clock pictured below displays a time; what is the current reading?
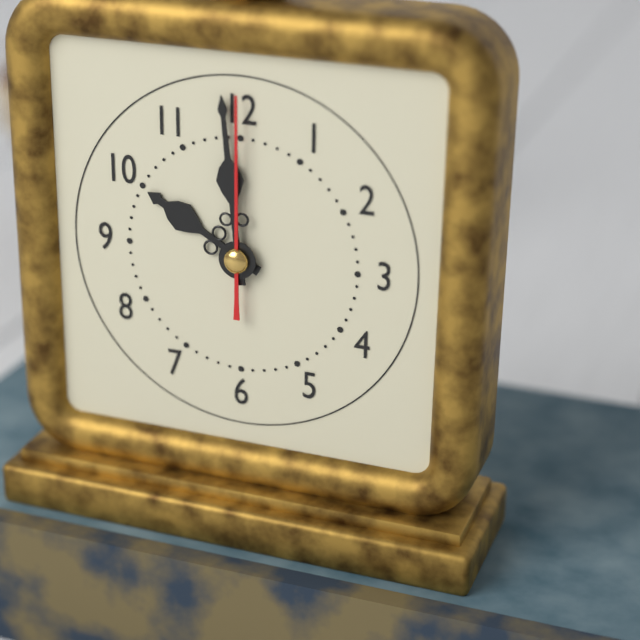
9:59:00
